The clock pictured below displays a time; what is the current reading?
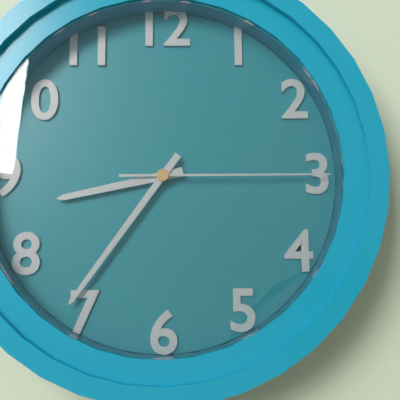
8:36:15
